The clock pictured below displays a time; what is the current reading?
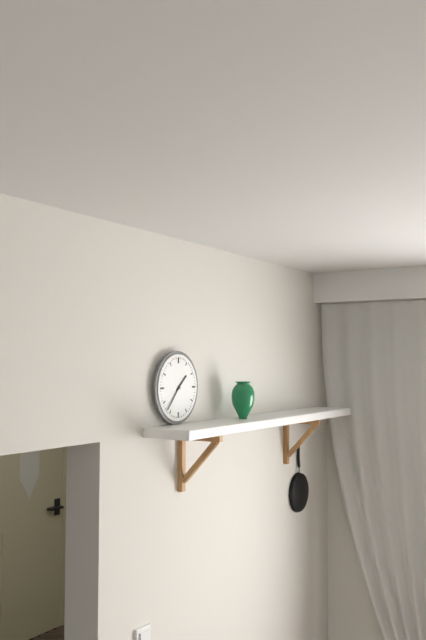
1:37
